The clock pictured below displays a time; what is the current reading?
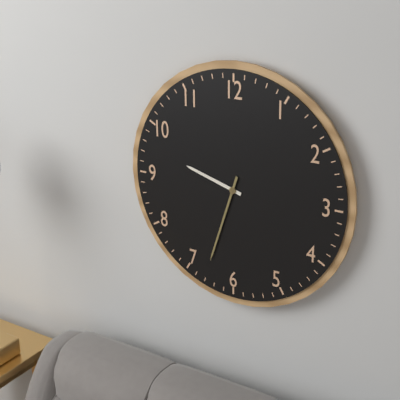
9:33
